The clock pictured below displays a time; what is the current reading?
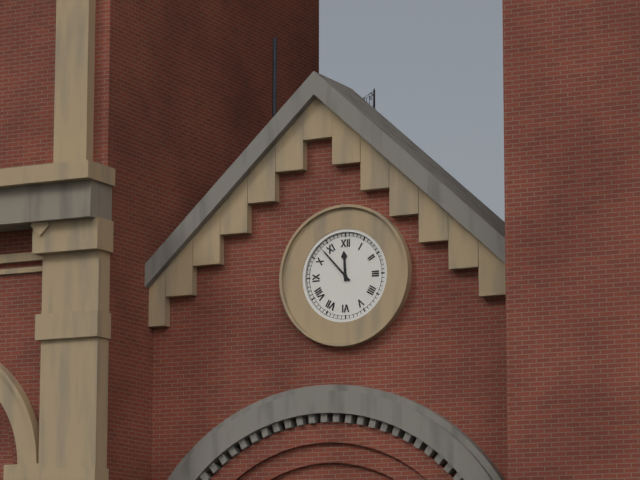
11:53
